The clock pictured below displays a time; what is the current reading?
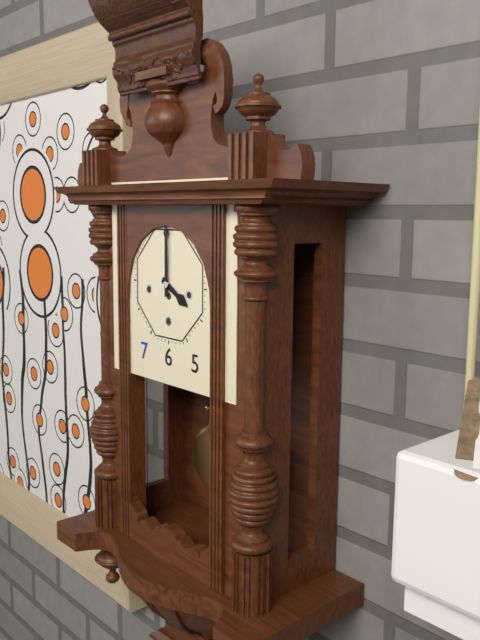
4:00
